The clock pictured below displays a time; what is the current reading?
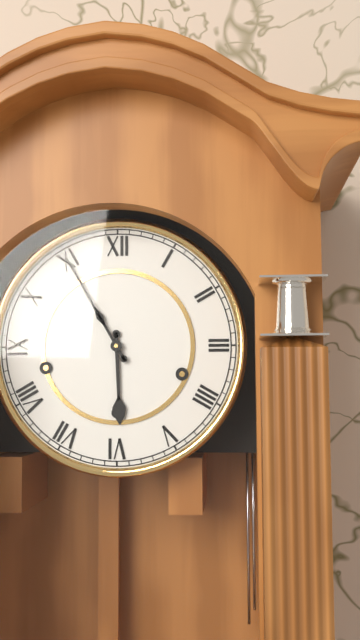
5:55
